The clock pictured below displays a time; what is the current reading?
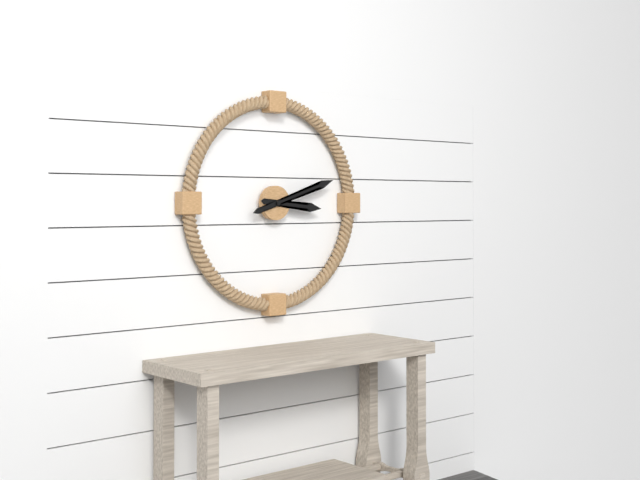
3:12
